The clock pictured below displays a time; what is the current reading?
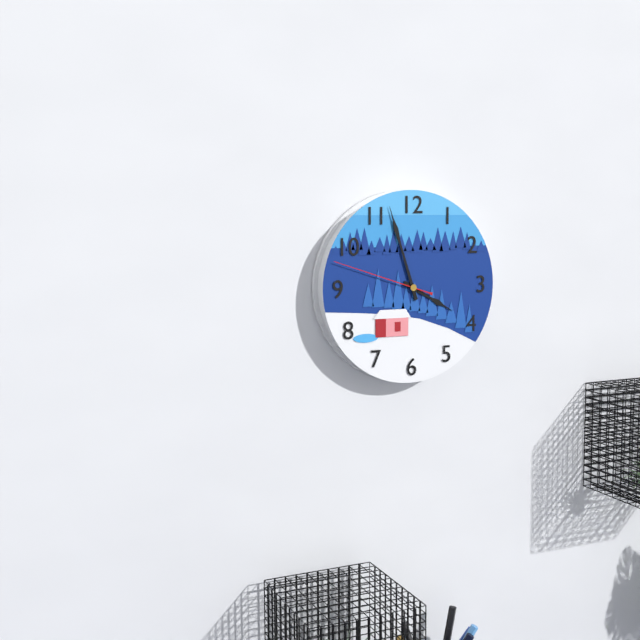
3:57:48
